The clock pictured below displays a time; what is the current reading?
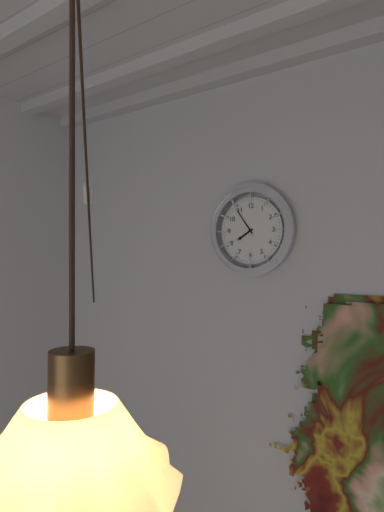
7:54
